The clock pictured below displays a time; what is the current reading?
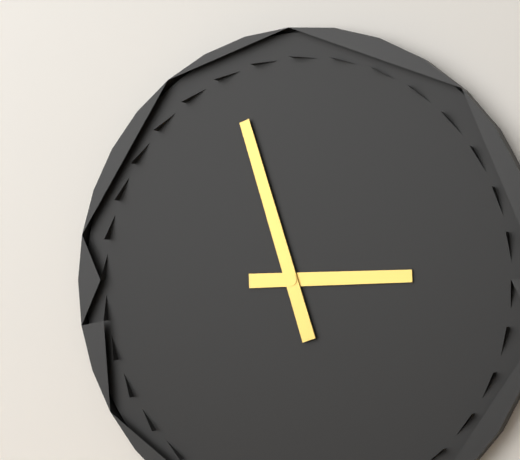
2:57
